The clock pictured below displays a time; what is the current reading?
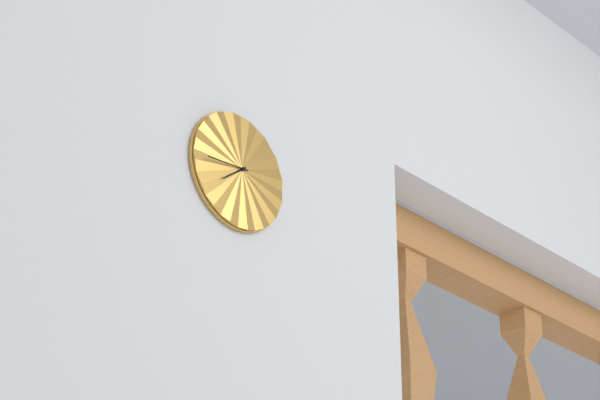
7:44
